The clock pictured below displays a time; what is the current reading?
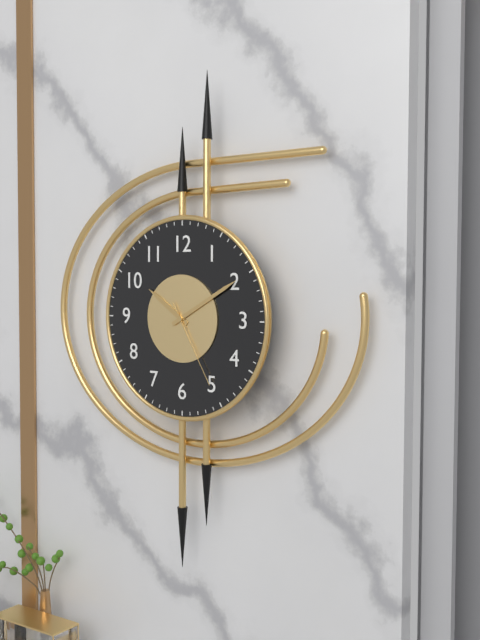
10:10:25
